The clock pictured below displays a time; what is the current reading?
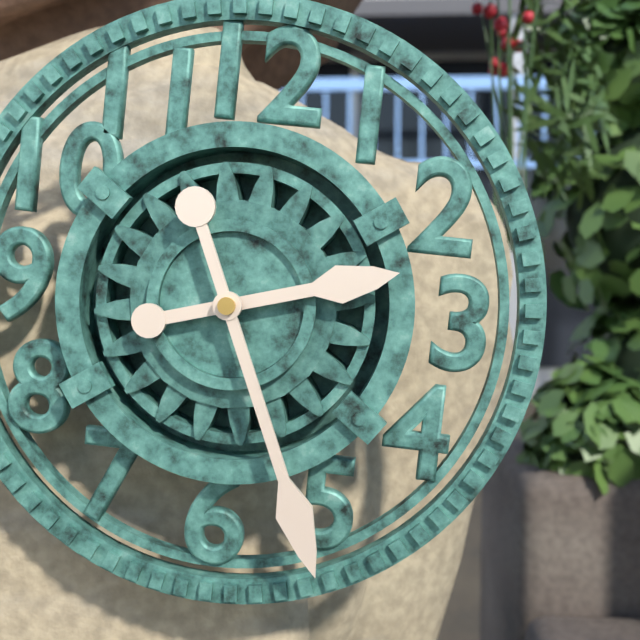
2:26
